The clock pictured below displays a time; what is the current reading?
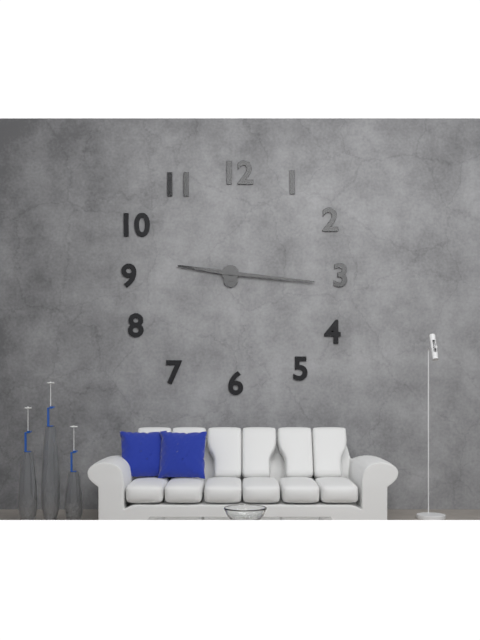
9:16
